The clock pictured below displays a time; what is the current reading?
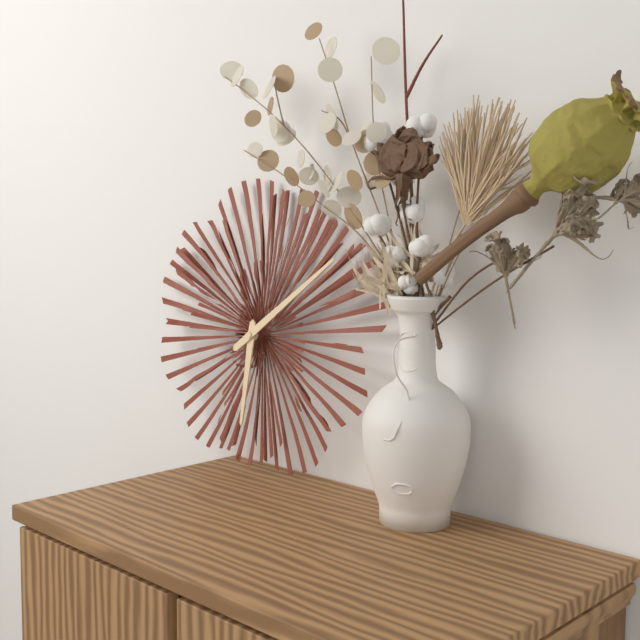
6:09
